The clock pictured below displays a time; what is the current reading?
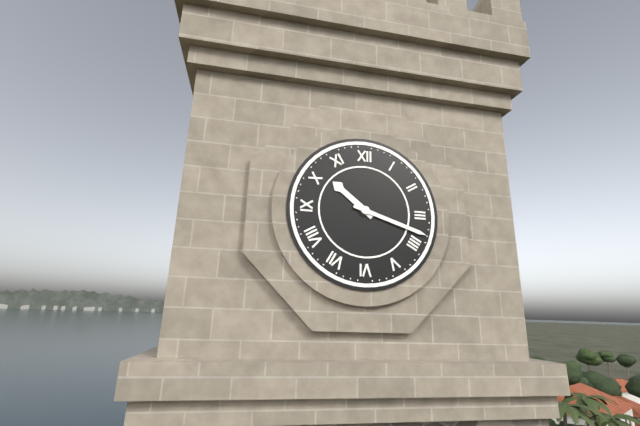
10:18
